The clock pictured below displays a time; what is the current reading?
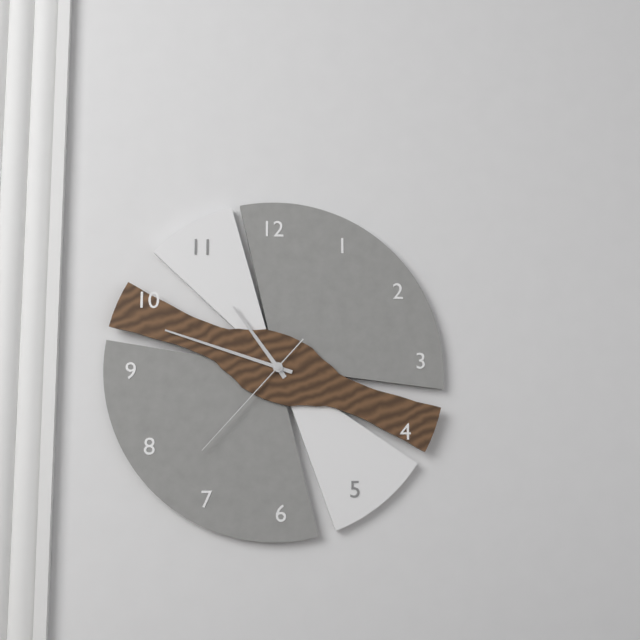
10:48:37
